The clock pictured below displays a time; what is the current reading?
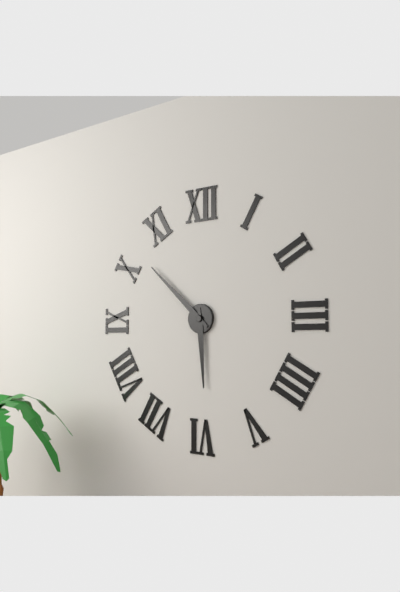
5:52
